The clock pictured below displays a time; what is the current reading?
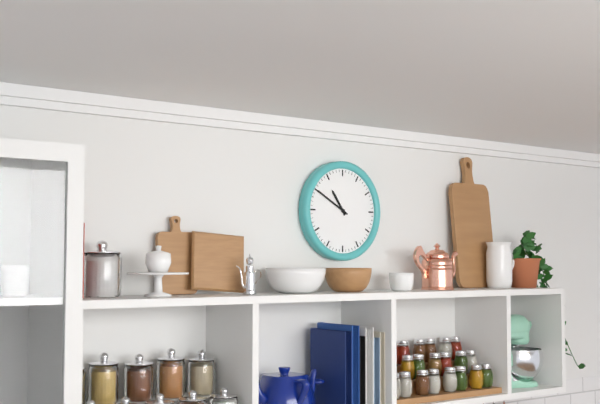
10:50
